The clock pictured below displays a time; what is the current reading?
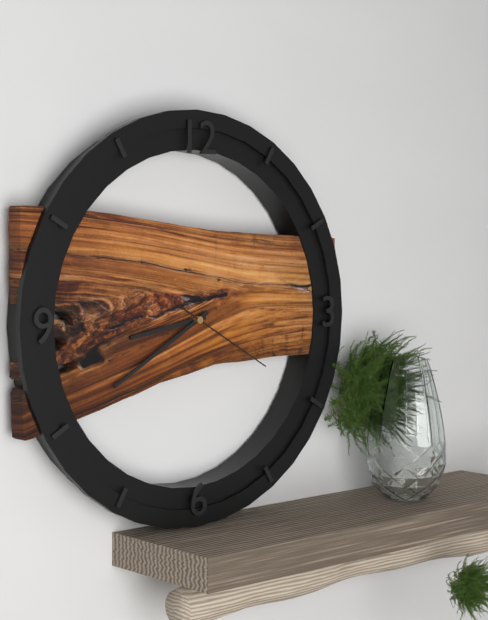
8:40:20
